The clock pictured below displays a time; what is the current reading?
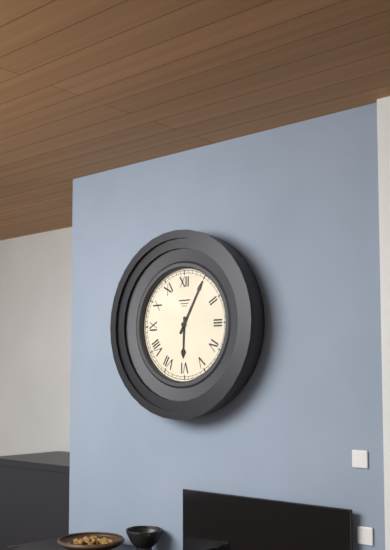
6:05
